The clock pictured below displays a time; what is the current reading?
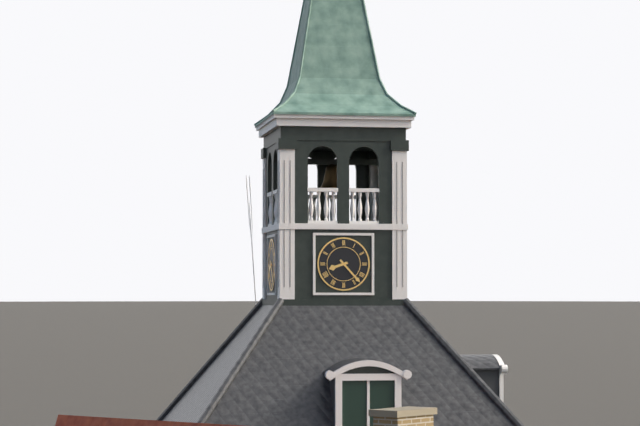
8:23
